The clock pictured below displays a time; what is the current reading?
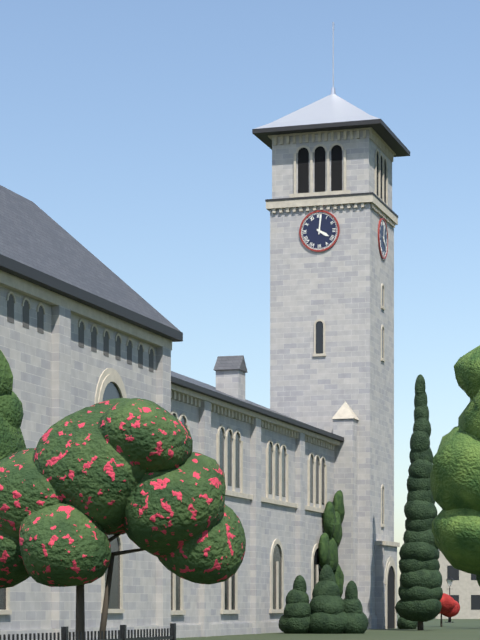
4:01
